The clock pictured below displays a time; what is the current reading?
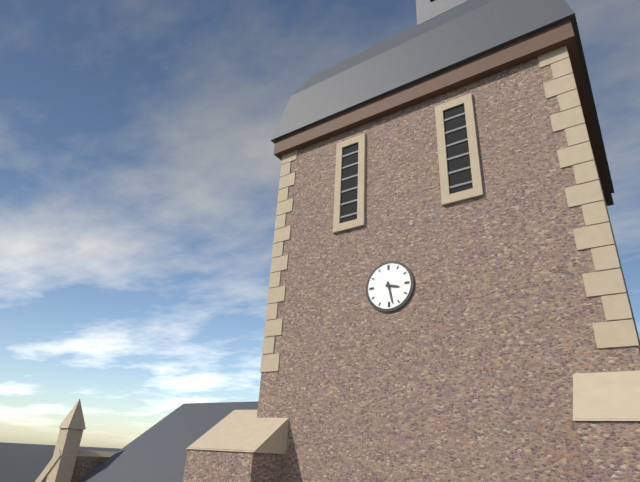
3:28
